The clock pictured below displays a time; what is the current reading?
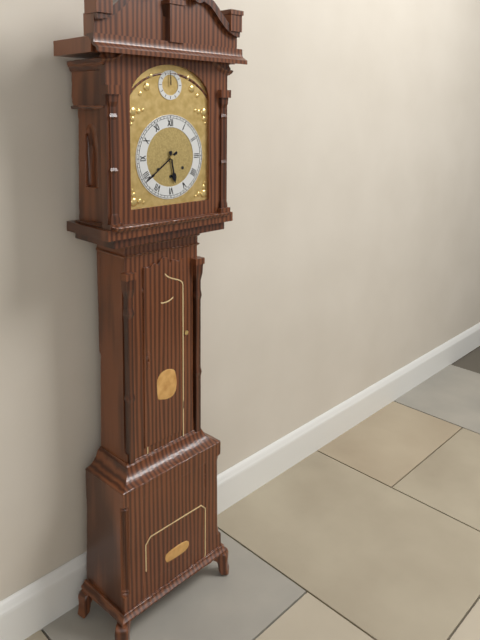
5:39
